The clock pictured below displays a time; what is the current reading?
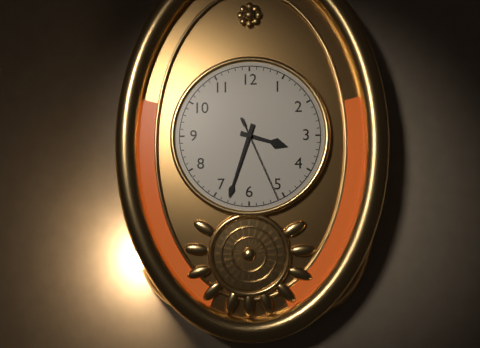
3:33:26
